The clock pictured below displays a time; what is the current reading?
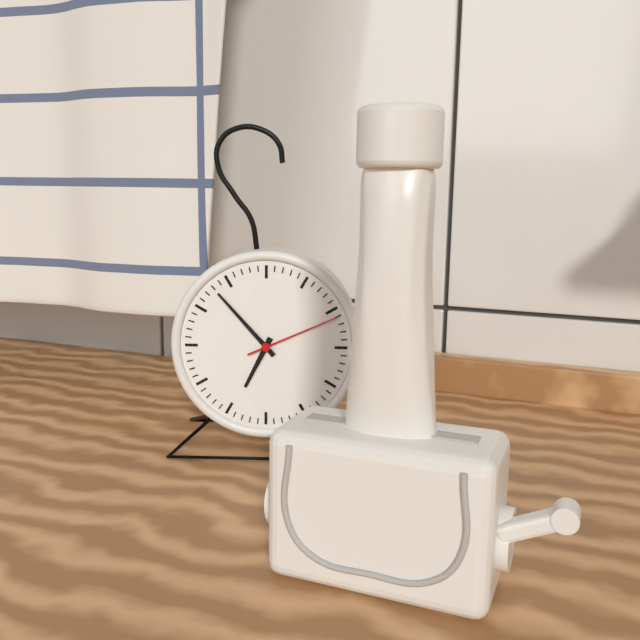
6:53:11
